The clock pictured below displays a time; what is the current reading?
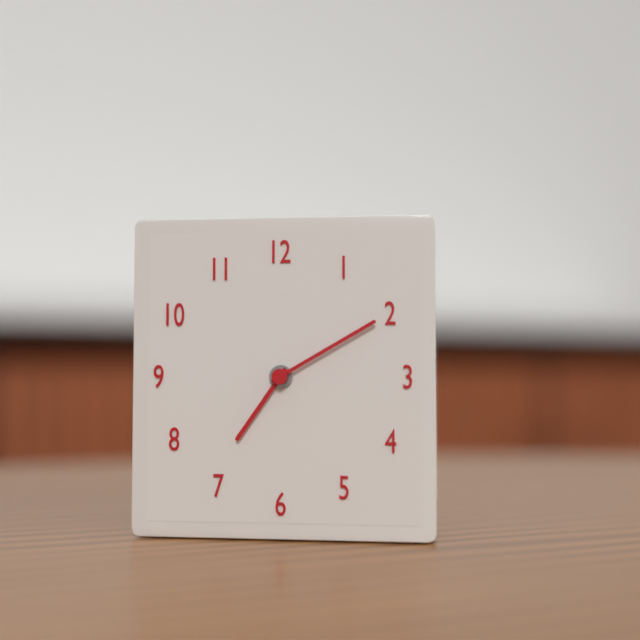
7:10
